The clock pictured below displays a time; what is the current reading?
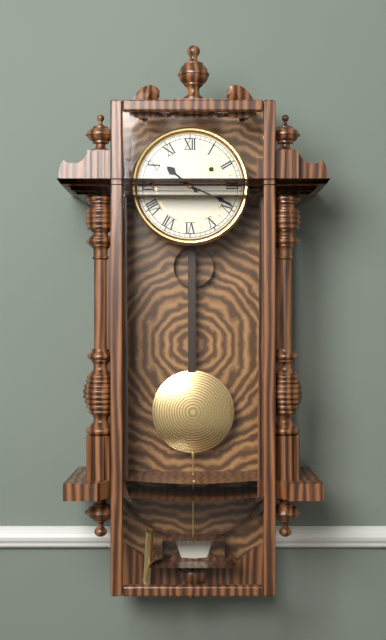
10:19
